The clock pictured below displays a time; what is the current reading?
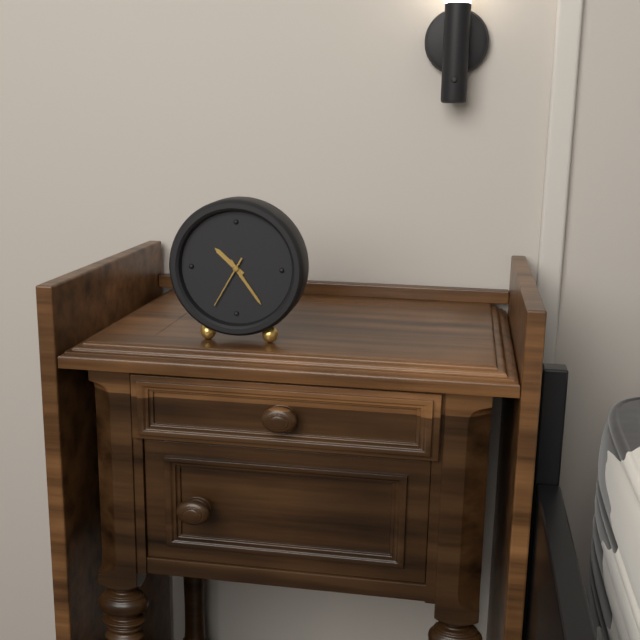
10:24:35
